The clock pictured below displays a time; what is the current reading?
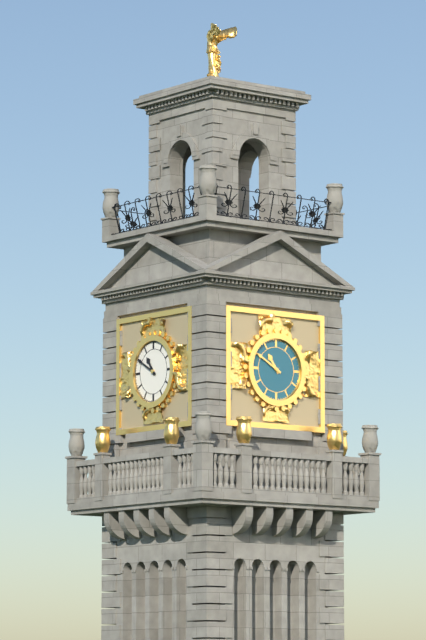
10:50
